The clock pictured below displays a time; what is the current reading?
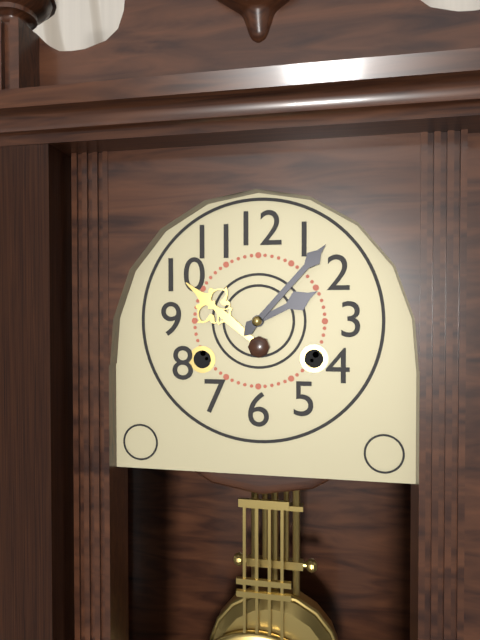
2:07
